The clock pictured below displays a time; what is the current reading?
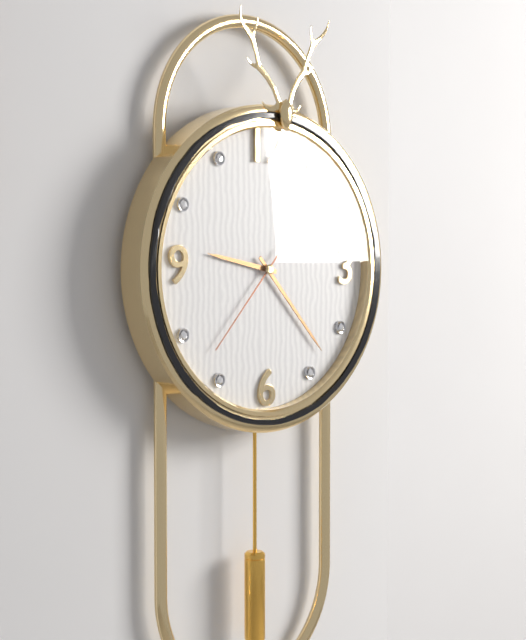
9:23:37
